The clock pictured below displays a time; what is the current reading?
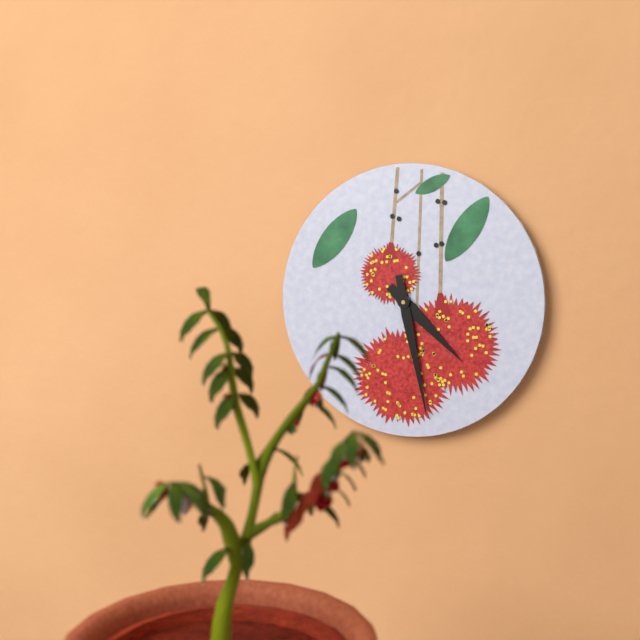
4:28
